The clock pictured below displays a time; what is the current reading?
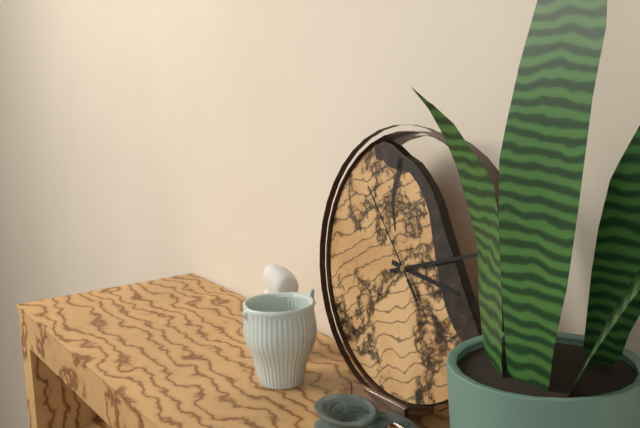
3:12:53
